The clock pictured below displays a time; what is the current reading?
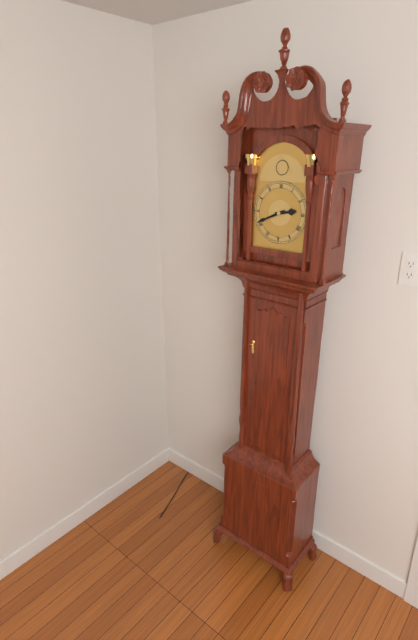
2:41
